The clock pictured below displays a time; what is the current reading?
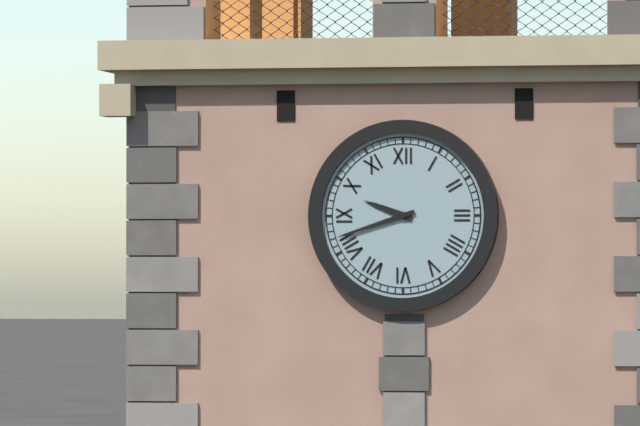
9:42
